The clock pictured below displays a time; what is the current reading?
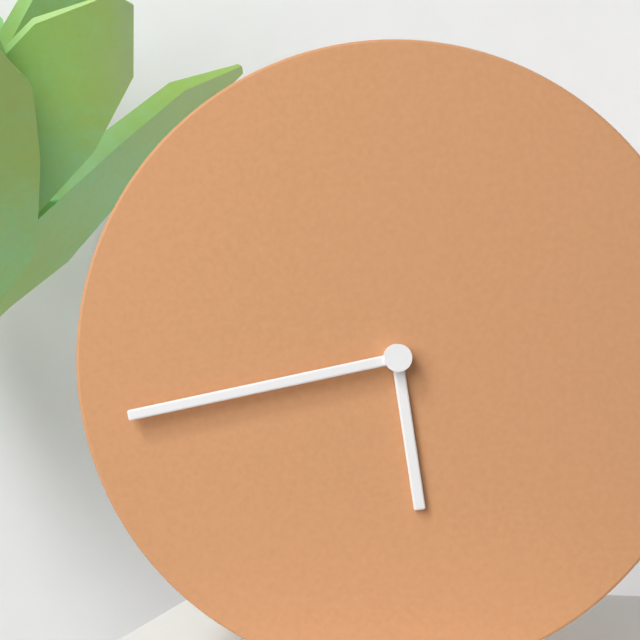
5:43
